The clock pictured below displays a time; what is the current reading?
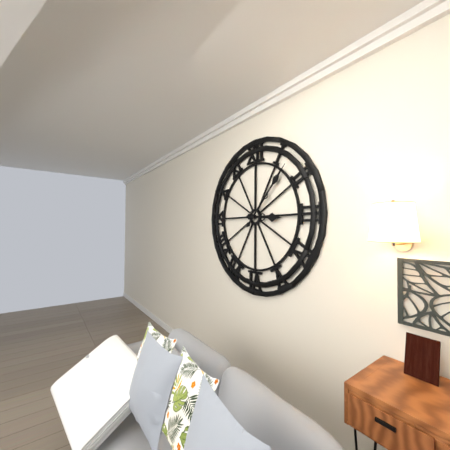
3:07
